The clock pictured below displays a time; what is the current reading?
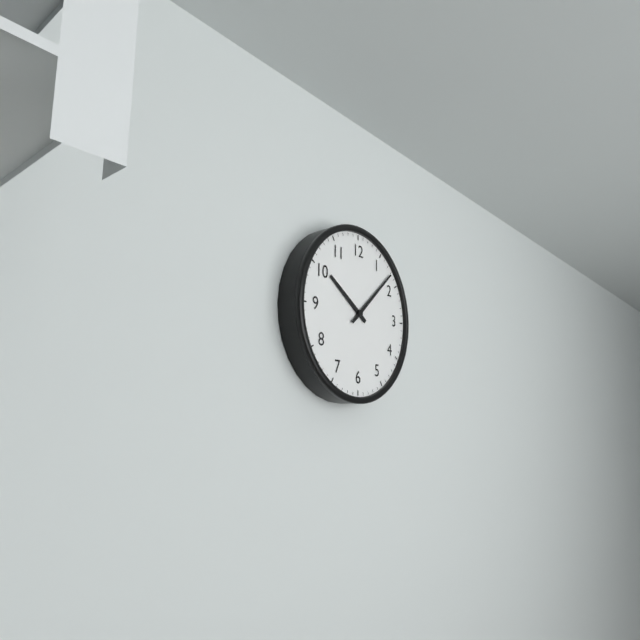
10:08
